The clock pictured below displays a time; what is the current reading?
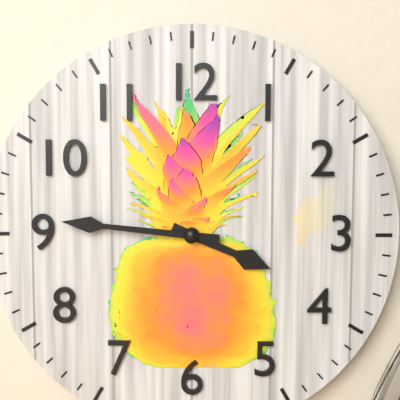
3:46
